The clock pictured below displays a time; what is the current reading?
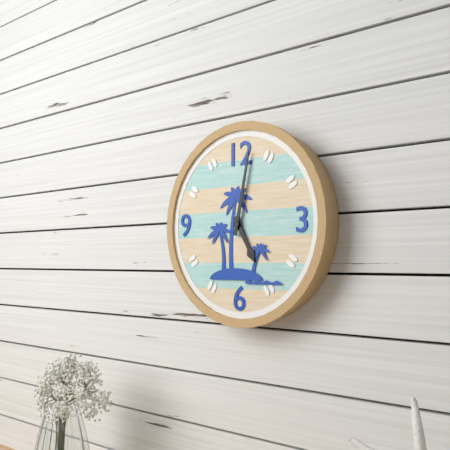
5:02
